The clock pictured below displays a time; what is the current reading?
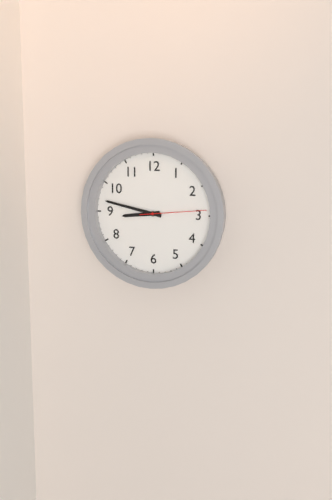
8:47:14
